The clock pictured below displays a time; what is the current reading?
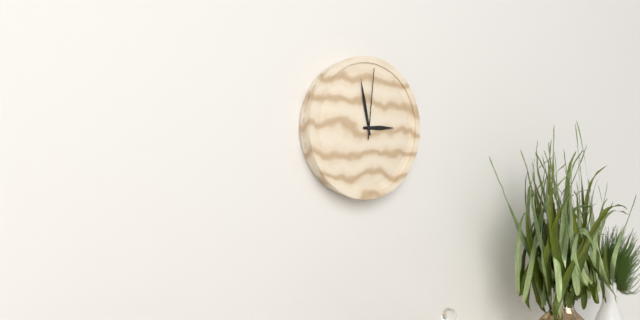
2:58:01
